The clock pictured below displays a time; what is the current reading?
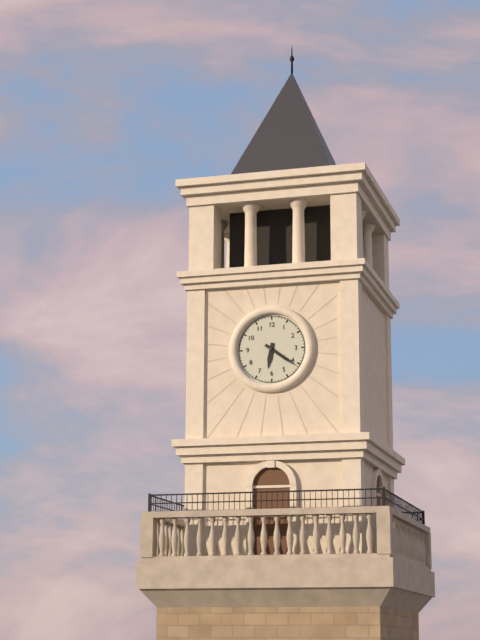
6:21
